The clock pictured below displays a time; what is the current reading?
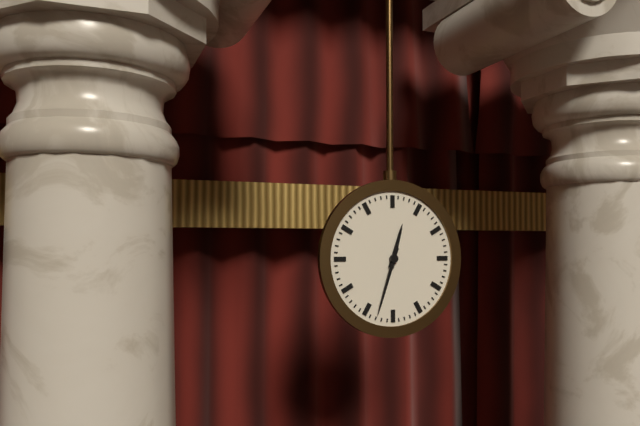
12:33
